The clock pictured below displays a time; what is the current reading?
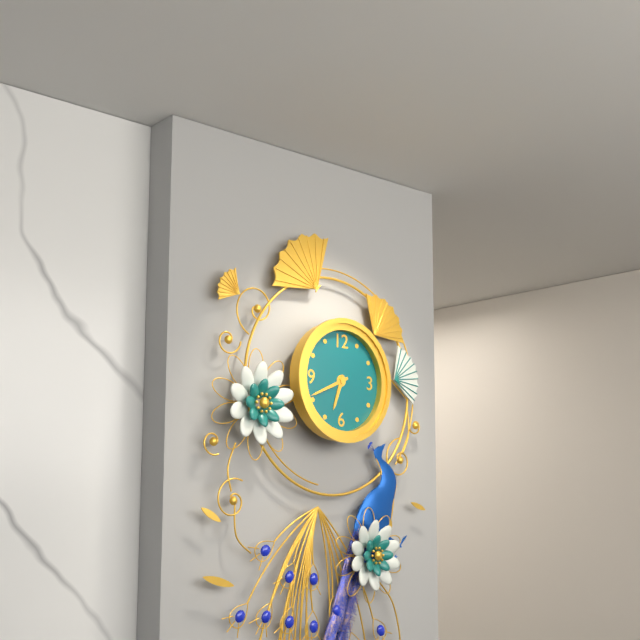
6:41
